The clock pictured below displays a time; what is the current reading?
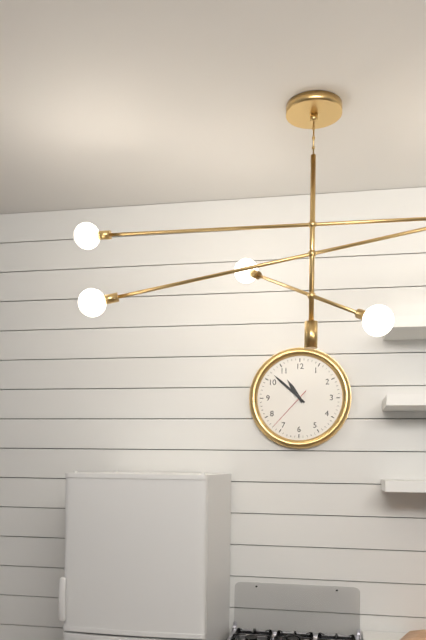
10:52
